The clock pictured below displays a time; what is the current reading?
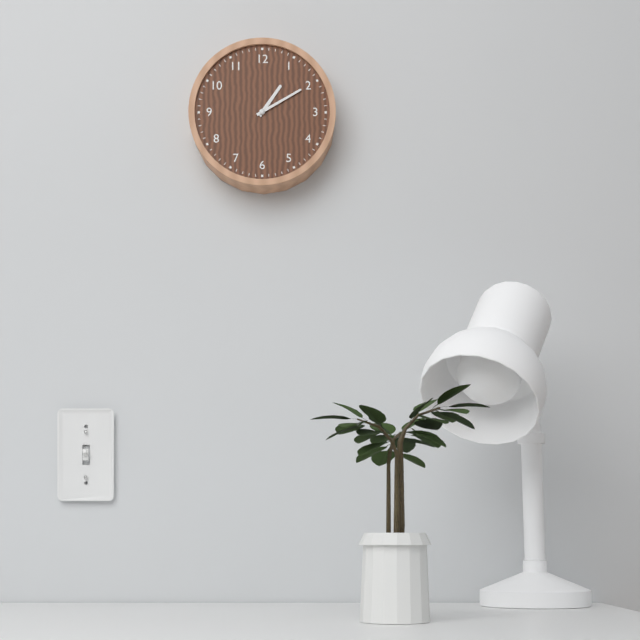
1:10
